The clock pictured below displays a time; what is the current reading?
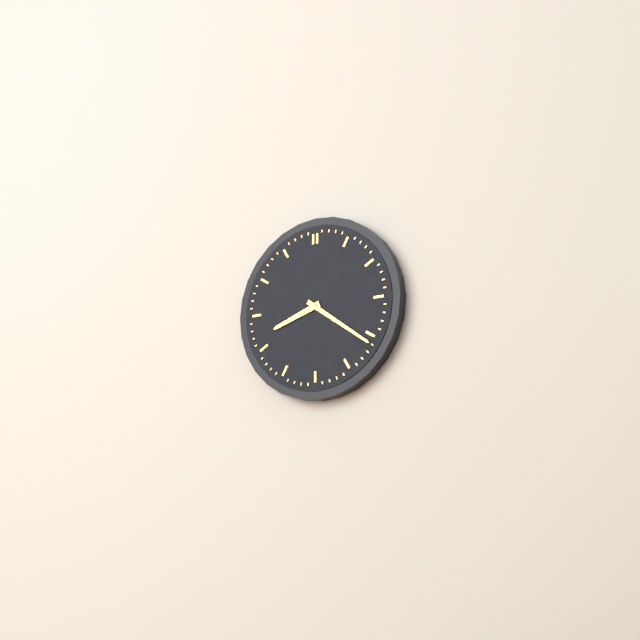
8:21
